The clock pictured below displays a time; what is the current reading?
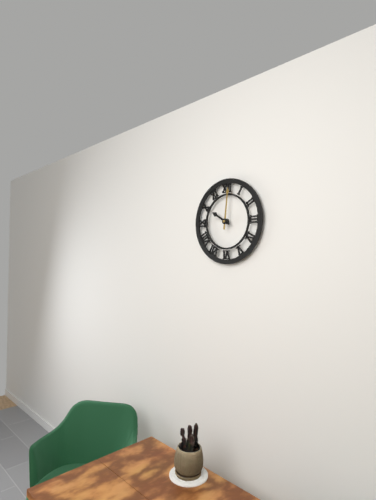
10:01
